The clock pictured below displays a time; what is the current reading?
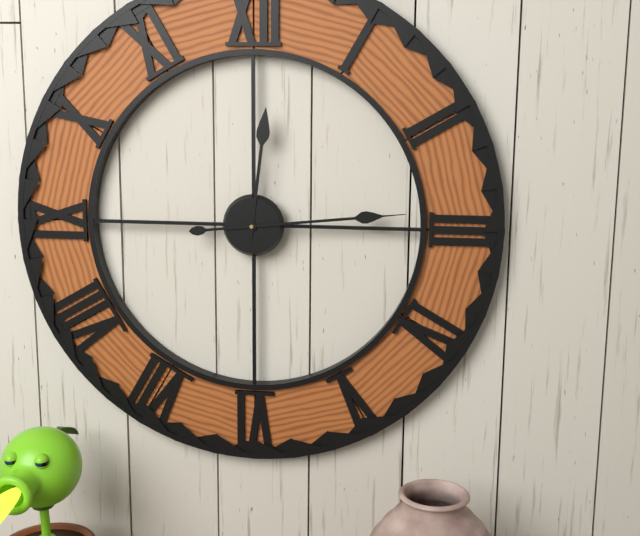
12:14
